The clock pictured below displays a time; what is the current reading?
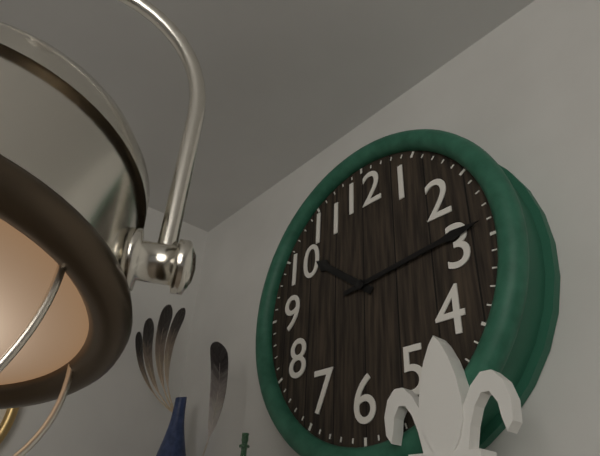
10:14
